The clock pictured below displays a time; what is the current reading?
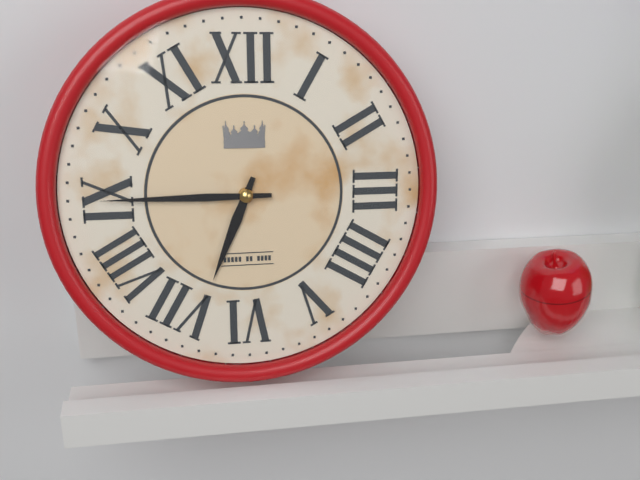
6:45
